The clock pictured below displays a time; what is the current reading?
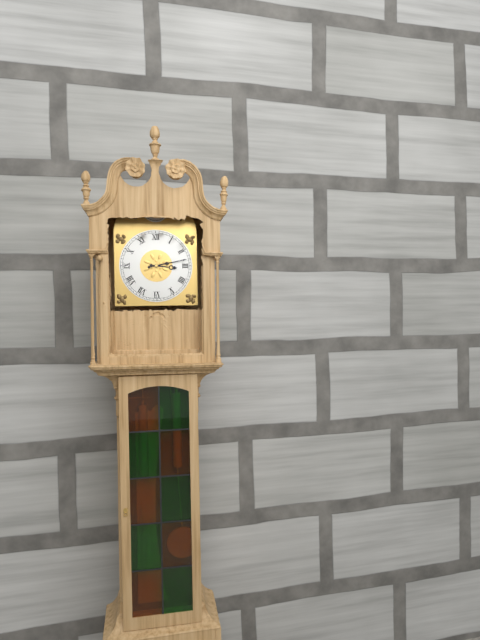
3:13
